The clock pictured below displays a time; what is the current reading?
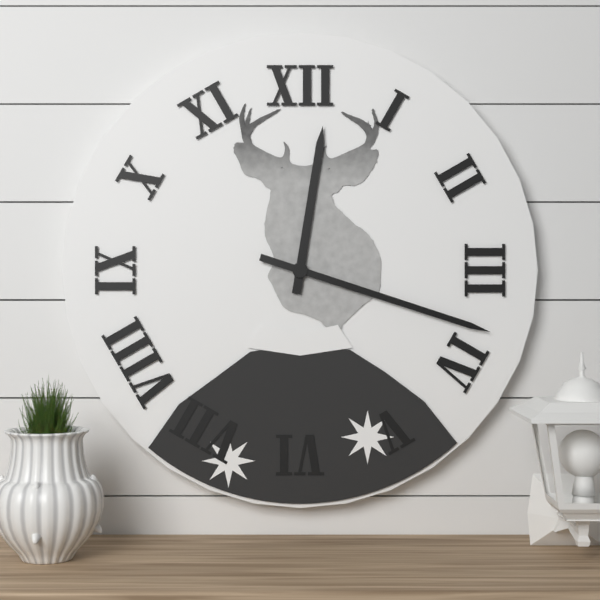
12:18
